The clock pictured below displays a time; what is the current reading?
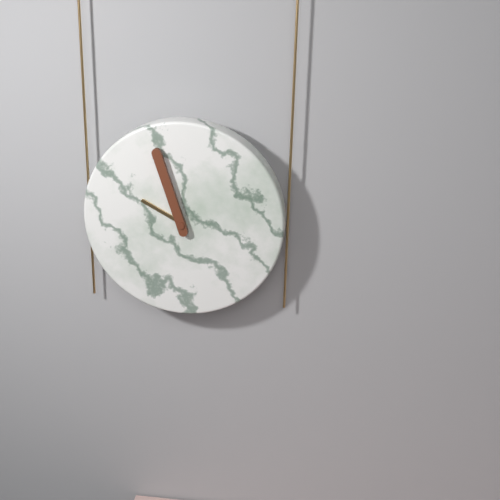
9:57
